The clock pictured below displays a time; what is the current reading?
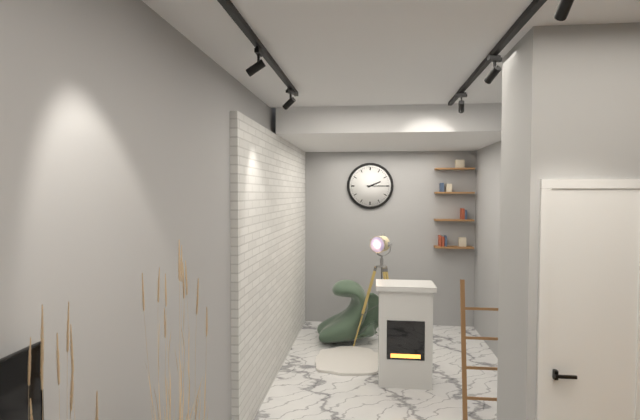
2:15
